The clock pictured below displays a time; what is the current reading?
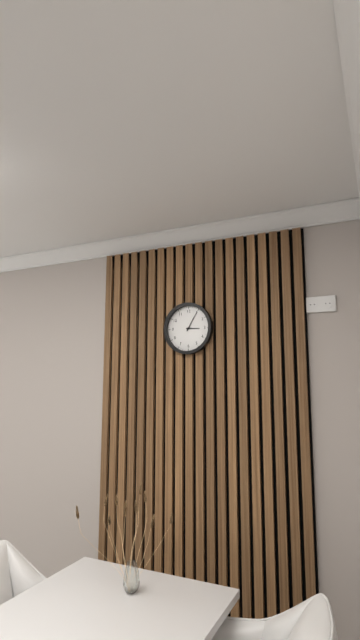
3:05
